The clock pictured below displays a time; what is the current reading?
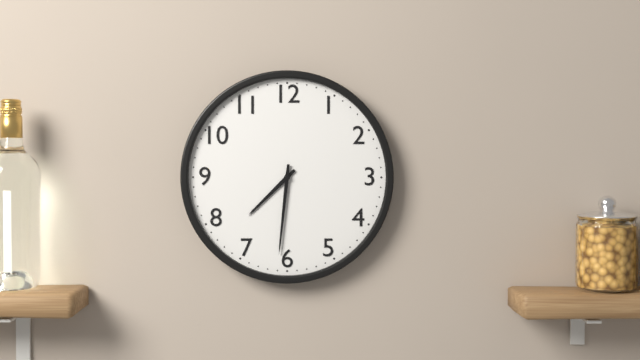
7:31
